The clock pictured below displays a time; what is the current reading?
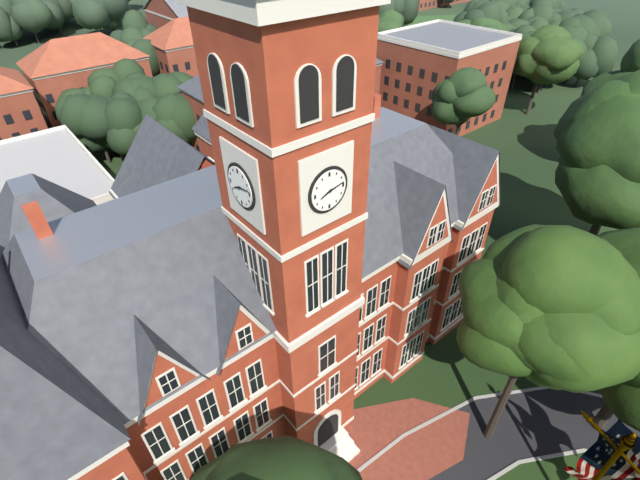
8:13
